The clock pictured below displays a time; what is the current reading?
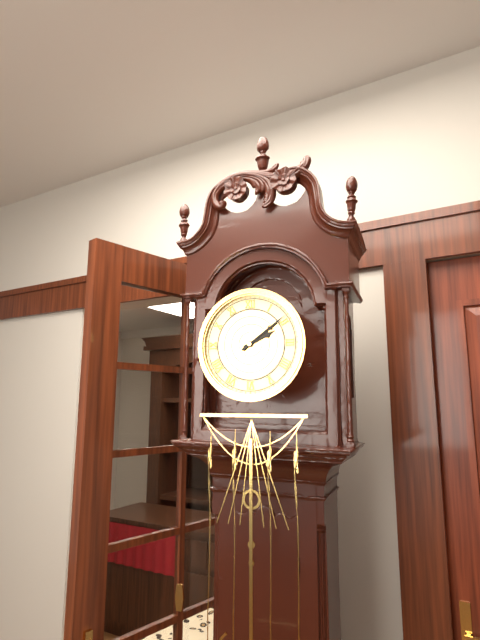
2:09
